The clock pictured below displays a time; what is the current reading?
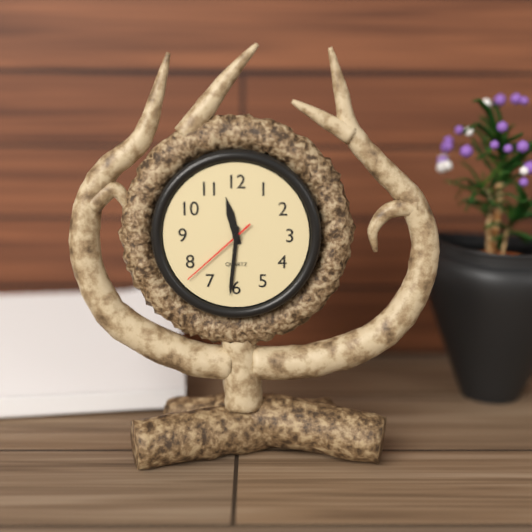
11:31:38
